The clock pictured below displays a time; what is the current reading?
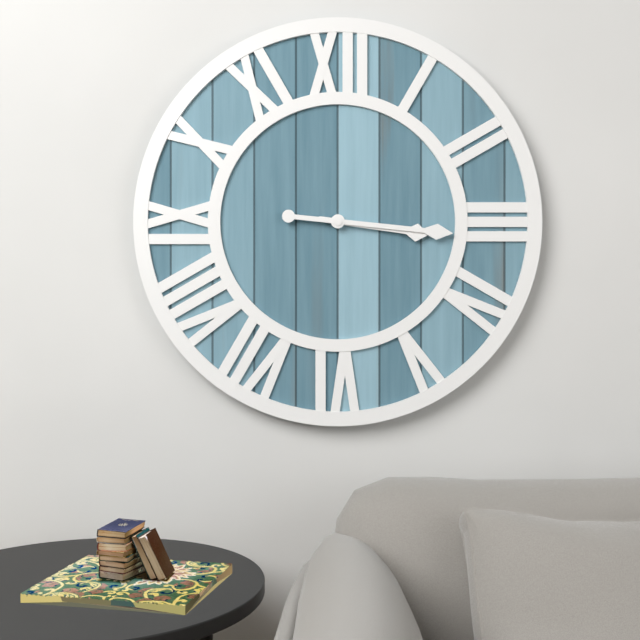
3:16
